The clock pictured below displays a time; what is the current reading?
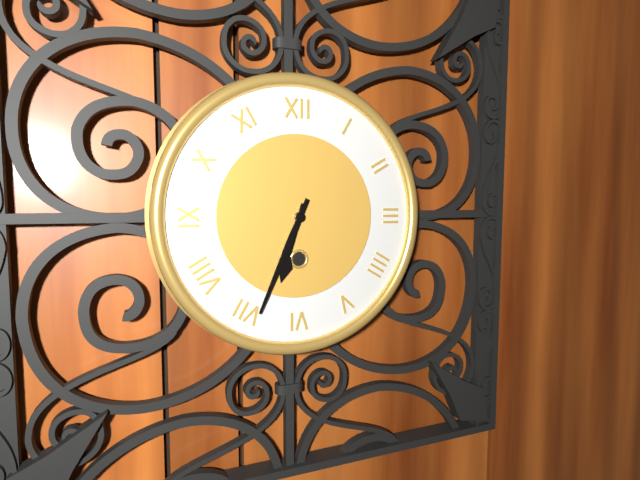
6:34
